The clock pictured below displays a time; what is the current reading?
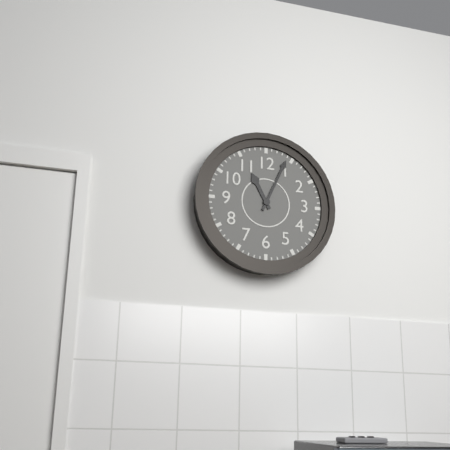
11:04
